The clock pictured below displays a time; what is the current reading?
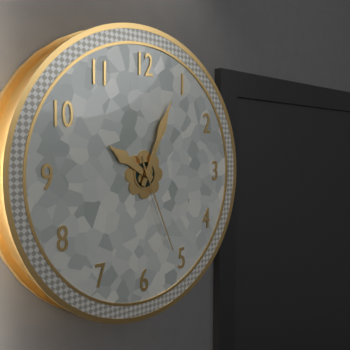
10:04:26
